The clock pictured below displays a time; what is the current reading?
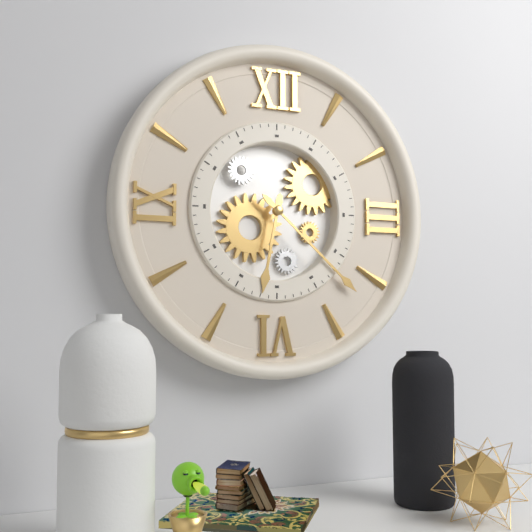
6:22
